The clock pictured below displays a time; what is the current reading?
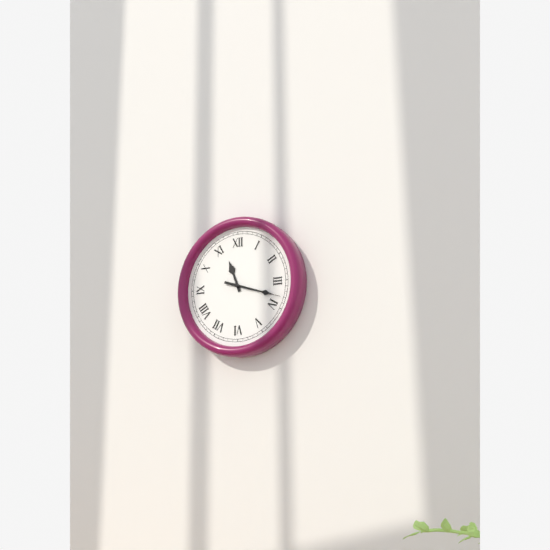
11:18:18
